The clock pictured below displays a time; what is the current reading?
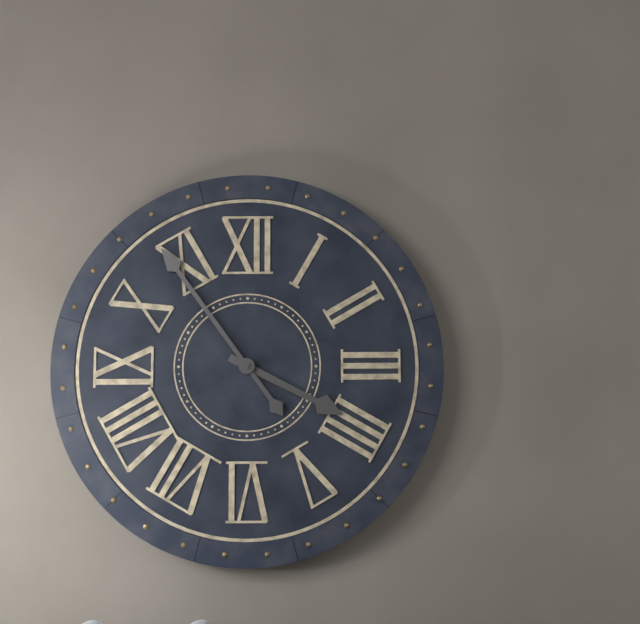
3:54
